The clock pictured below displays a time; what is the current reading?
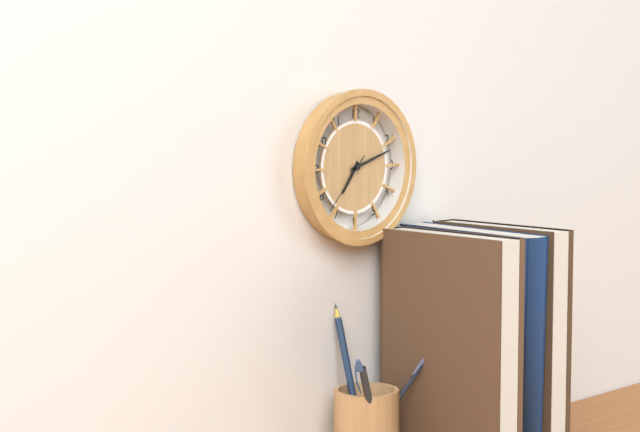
7:12:37
